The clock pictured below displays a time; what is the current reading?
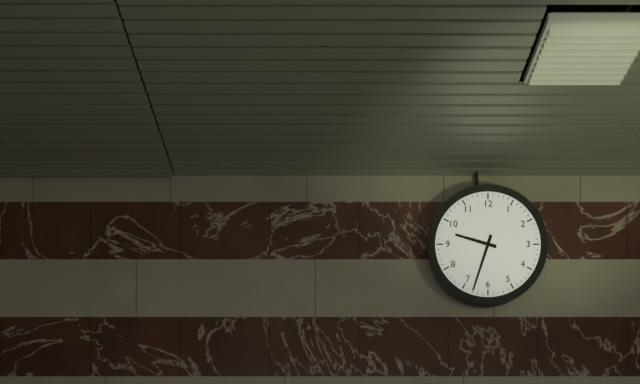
9:33
